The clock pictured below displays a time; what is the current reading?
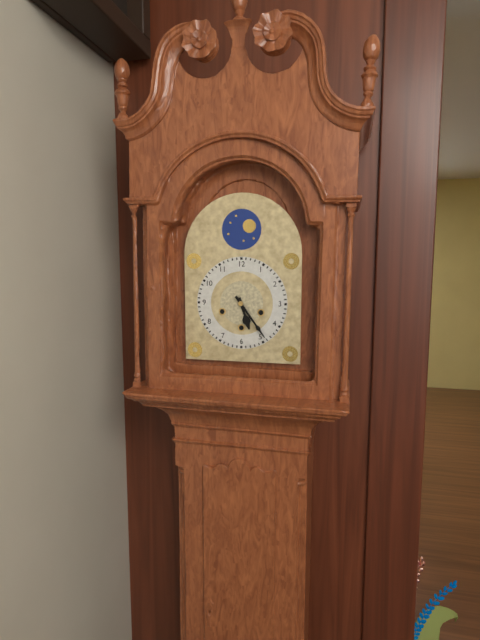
5:24
